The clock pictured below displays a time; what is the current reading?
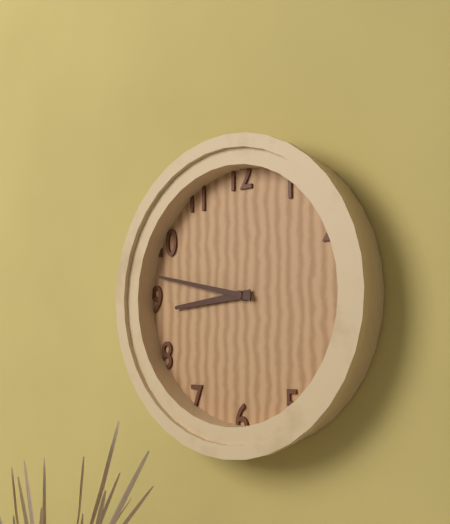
8:47
